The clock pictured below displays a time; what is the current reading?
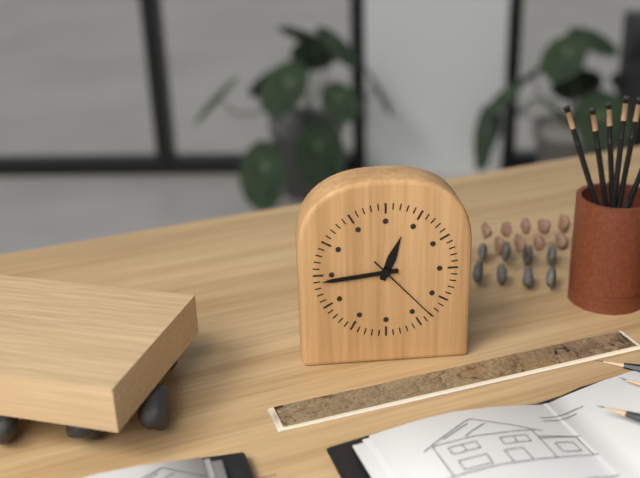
12:44:23
